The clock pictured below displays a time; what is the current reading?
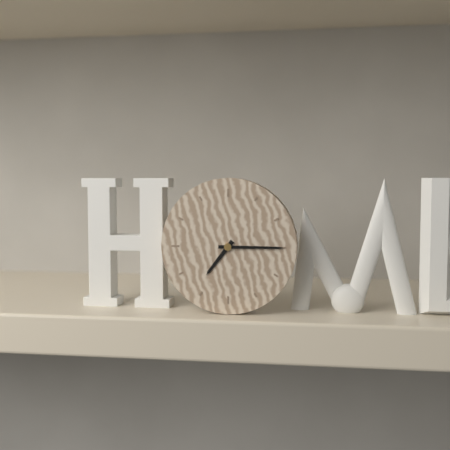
7:15
